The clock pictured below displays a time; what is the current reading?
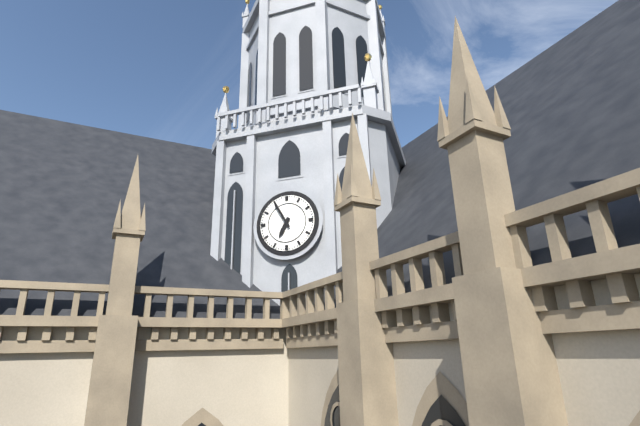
6:55
